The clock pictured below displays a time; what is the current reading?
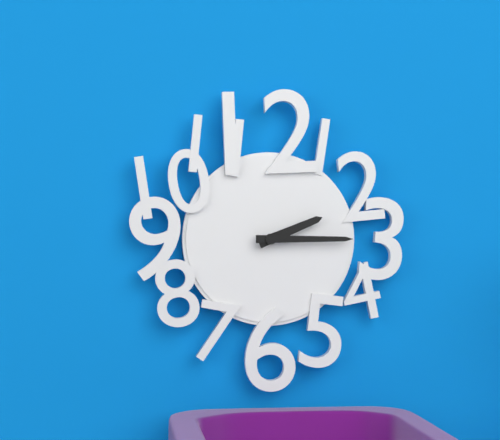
2:15
